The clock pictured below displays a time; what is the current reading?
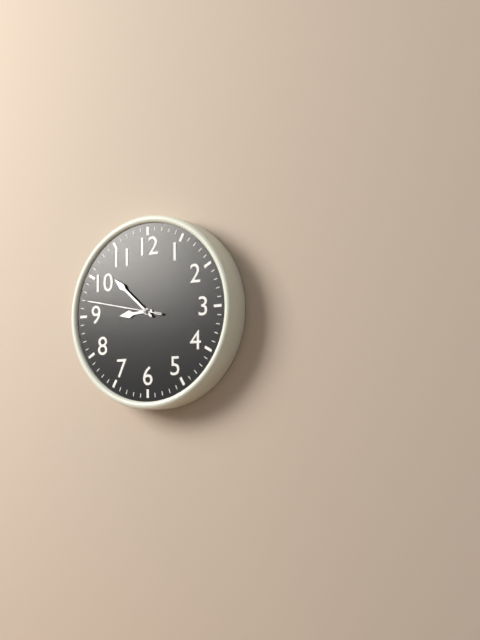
8:52:47
